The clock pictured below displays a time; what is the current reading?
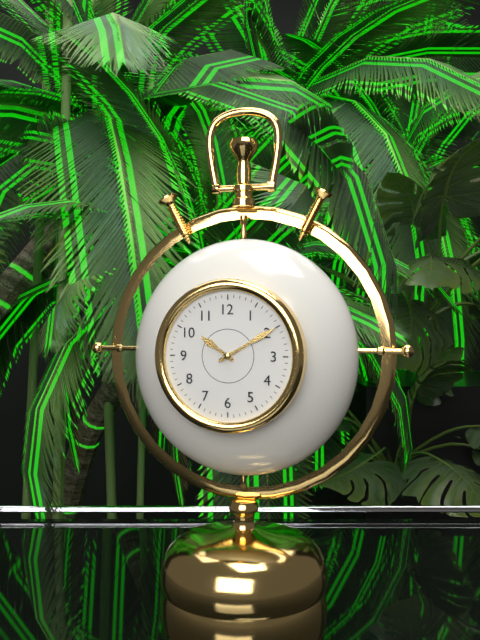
10:10
